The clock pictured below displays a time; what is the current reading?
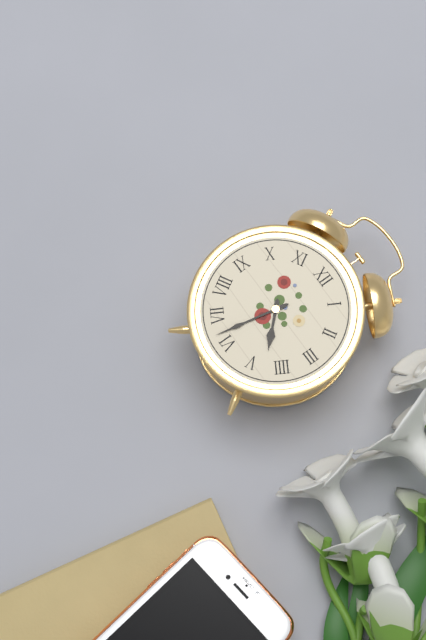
4:32
